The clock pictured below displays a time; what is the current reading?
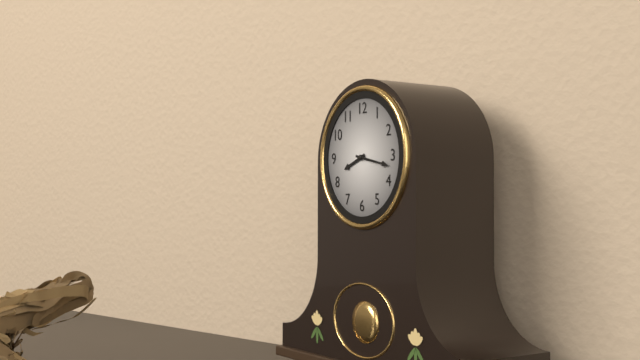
8:17
